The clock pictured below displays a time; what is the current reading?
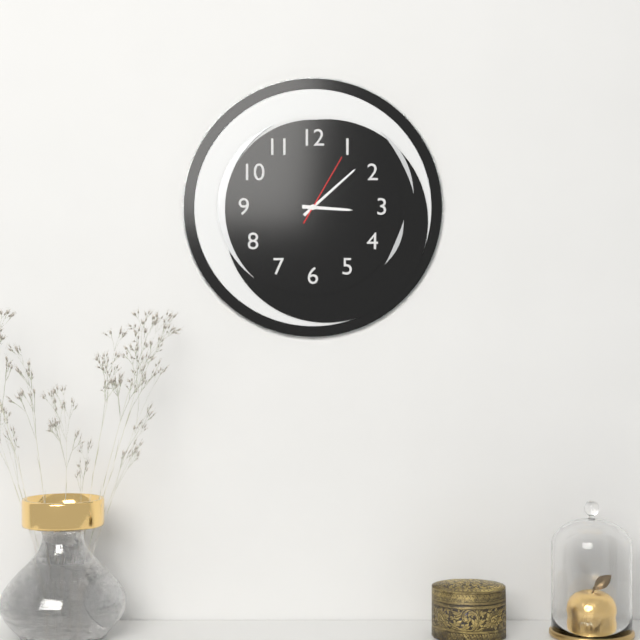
3:08:05
